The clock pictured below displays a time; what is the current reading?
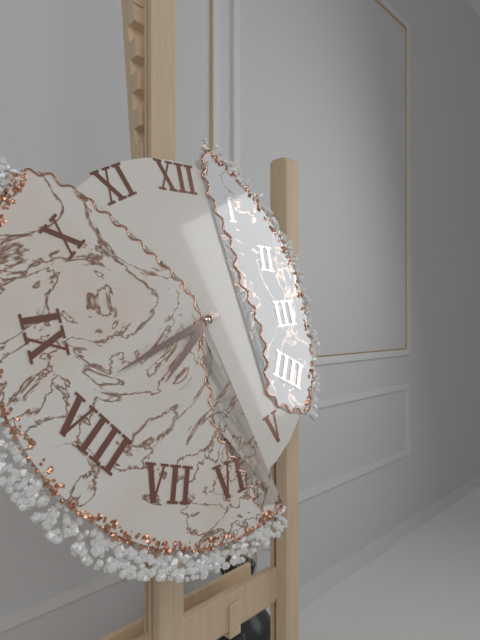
7:42
